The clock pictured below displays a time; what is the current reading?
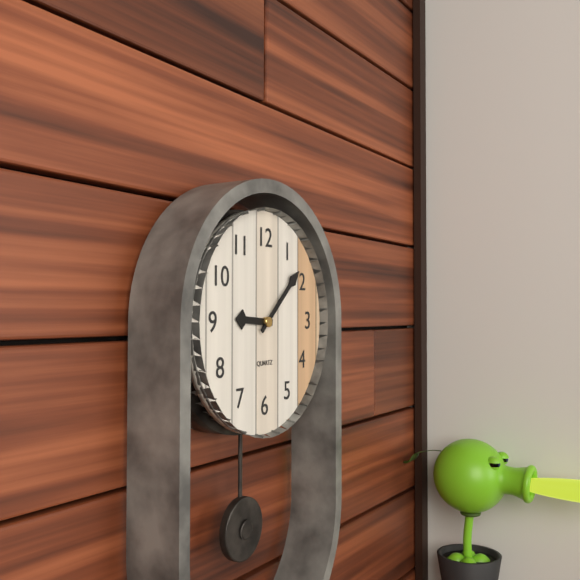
9:08
